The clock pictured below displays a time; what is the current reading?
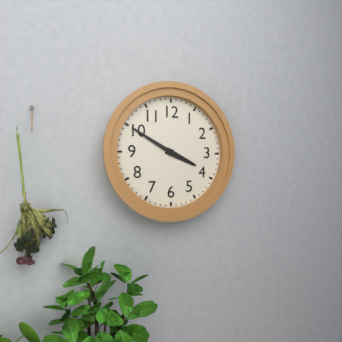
3:50
